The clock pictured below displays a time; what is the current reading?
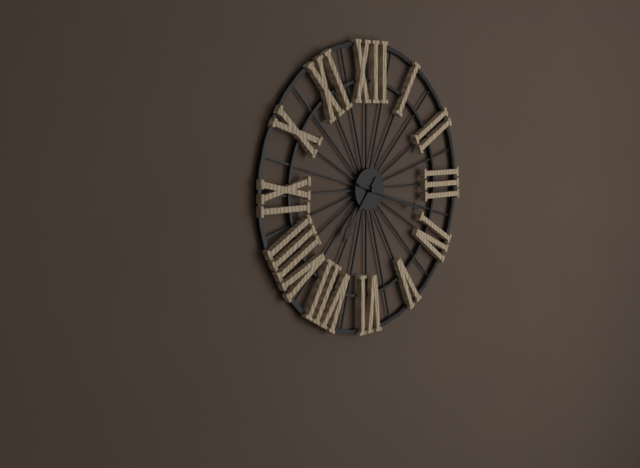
7:18
